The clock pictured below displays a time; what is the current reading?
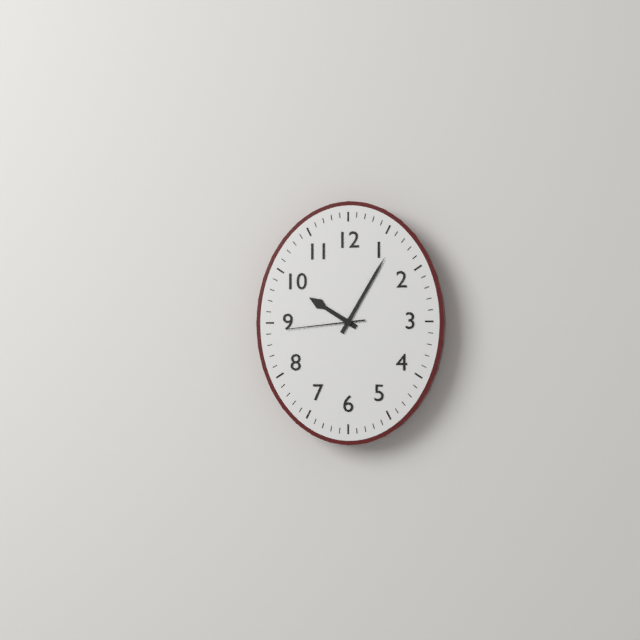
10:05:44
